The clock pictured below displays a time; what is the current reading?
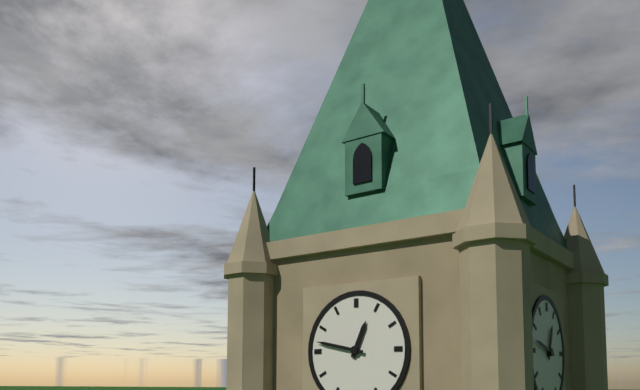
12:47
